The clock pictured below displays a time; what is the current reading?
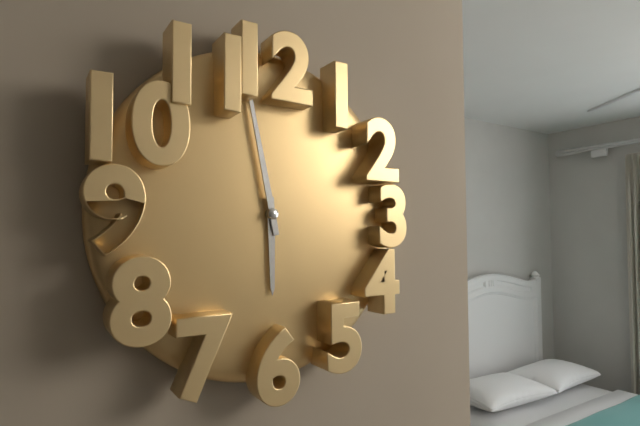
5:58
